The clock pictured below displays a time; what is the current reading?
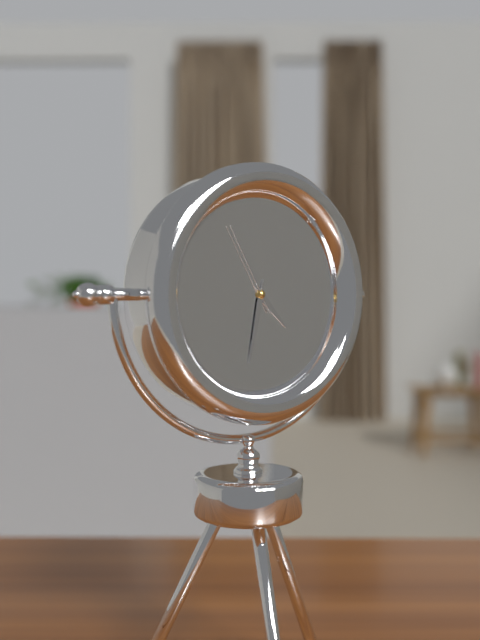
4:32:55
